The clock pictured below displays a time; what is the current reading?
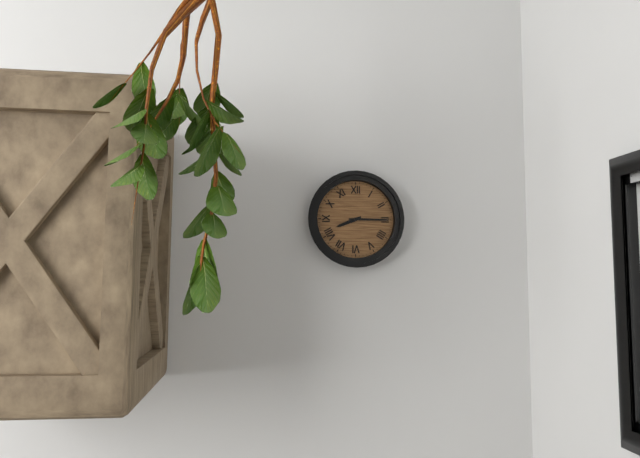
8:15
